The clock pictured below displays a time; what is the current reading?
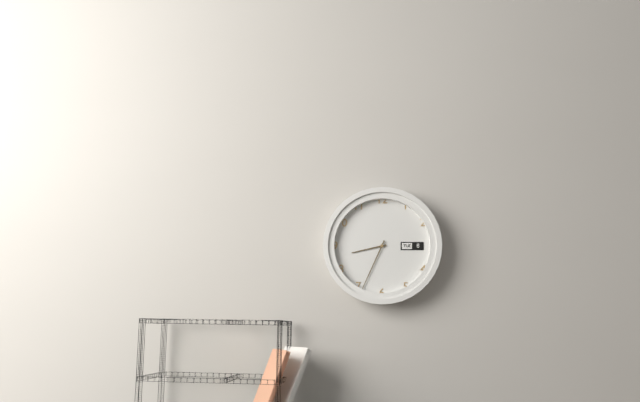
8:34
